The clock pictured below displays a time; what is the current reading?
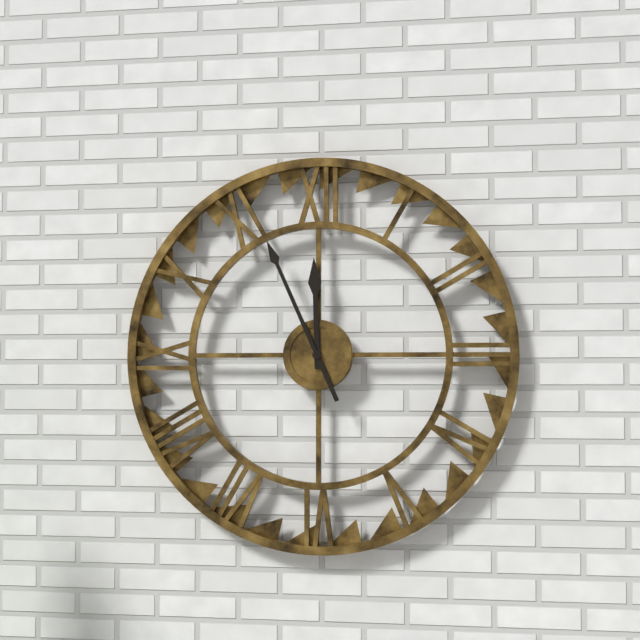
11:56
